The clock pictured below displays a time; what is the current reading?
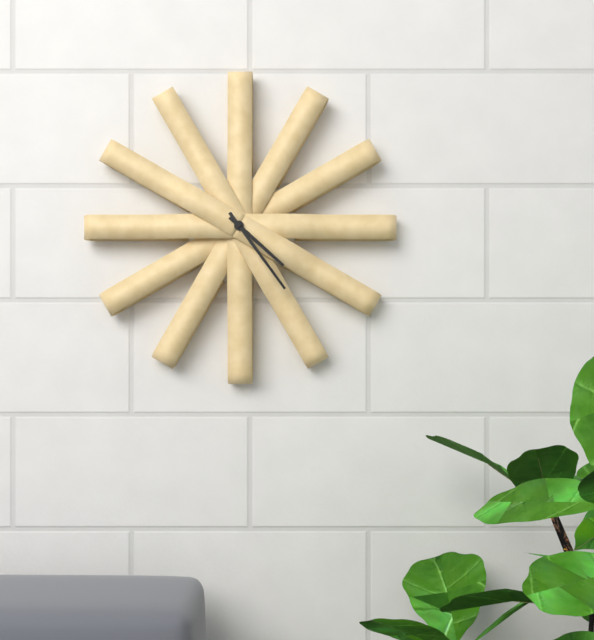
4:24
